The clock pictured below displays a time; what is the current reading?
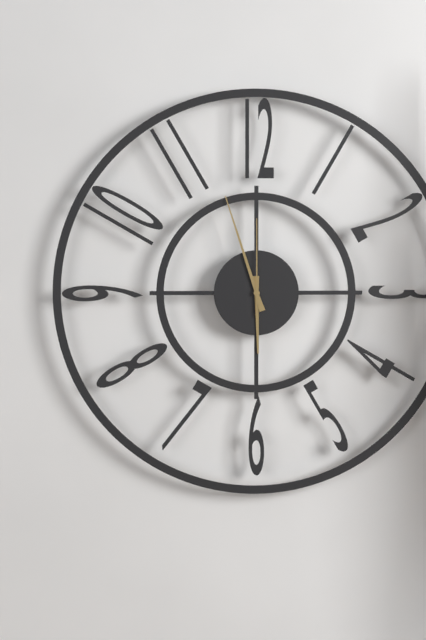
5:57:00
